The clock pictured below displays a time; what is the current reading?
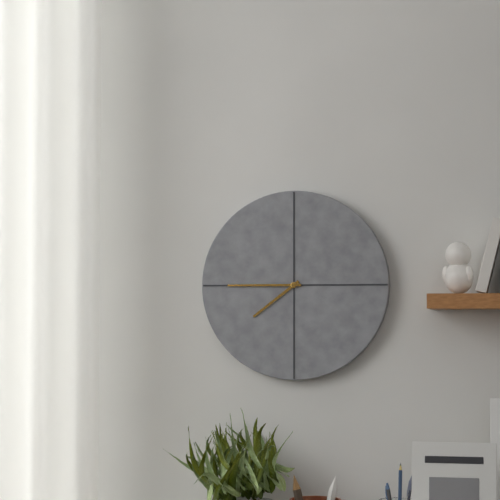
7:45
